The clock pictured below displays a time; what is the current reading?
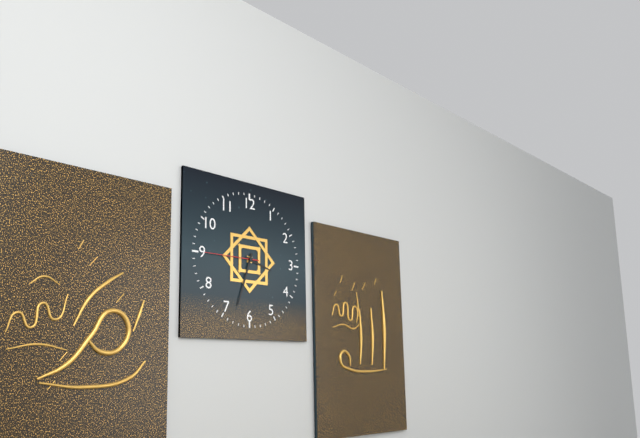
3:33:45
